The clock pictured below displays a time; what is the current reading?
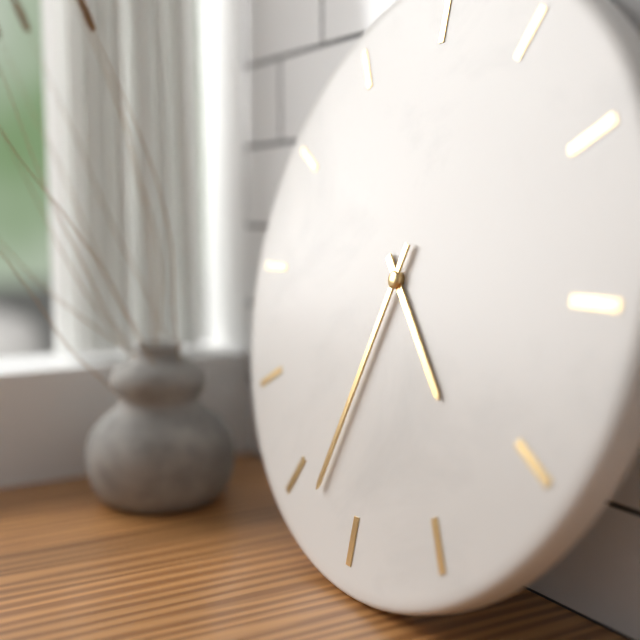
4:33
